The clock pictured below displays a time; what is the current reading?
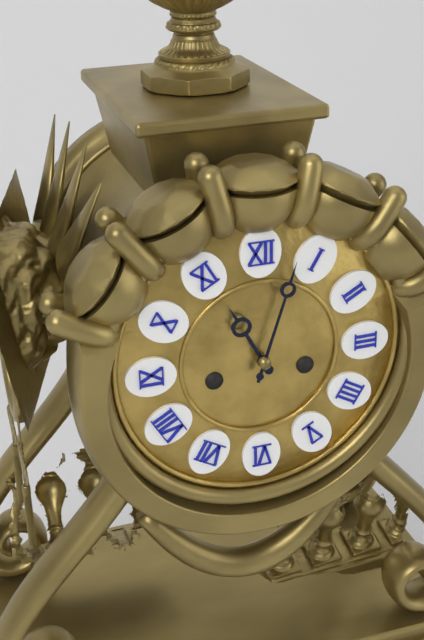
11:03
